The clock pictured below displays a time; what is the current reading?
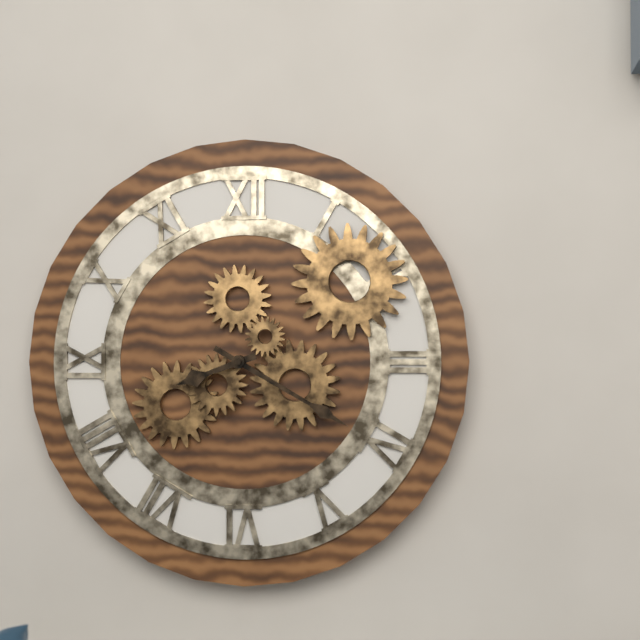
8:20
